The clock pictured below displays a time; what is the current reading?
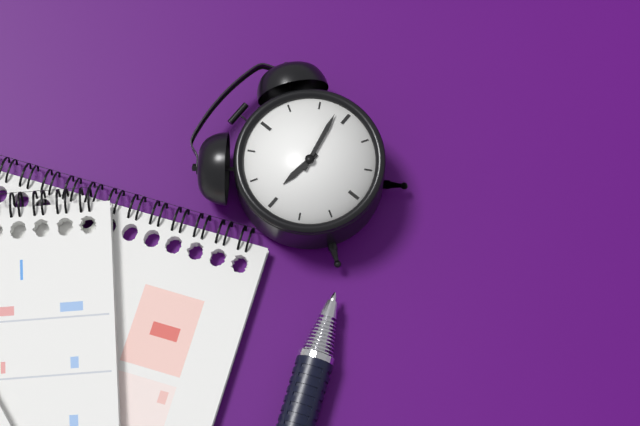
9:13
